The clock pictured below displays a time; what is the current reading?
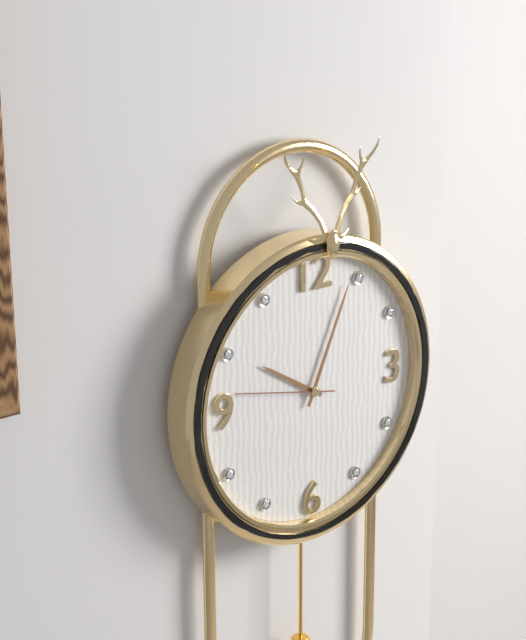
10:04:47
